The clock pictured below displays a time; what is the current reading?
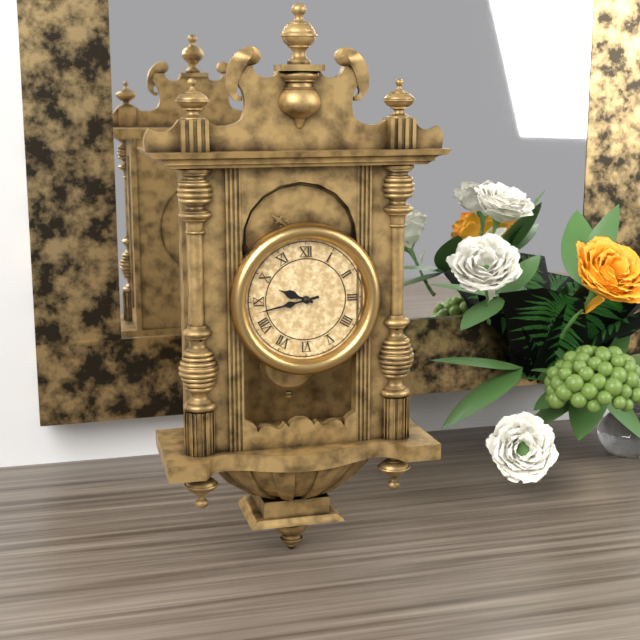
9:43
